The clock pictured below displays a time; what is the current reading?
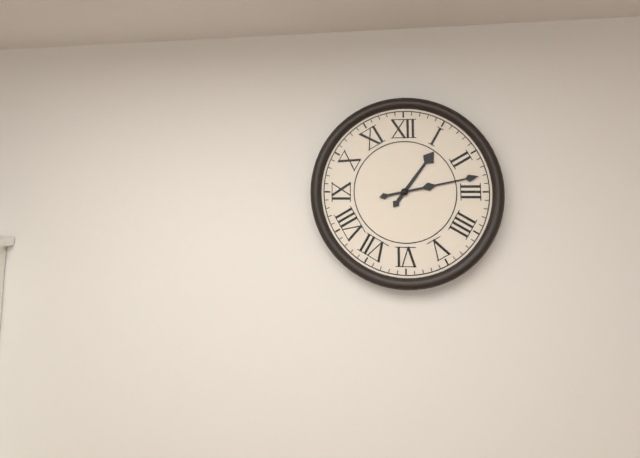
1:13
